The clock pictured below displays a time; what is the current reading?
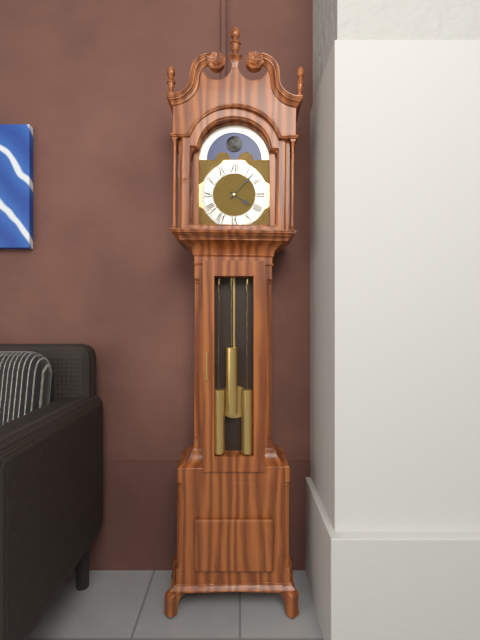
4:07
